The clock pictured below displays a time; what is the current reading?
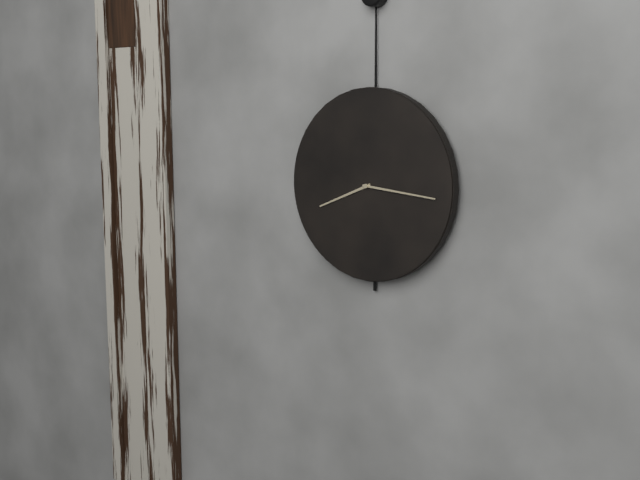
8:16
